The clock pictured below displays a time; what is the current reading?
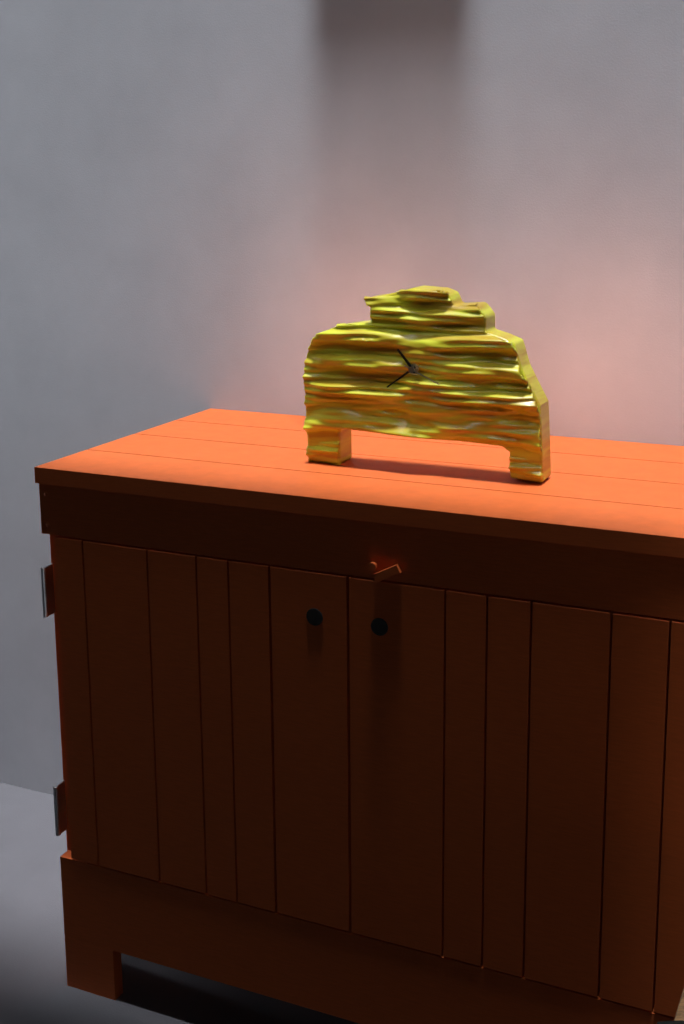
10:39
